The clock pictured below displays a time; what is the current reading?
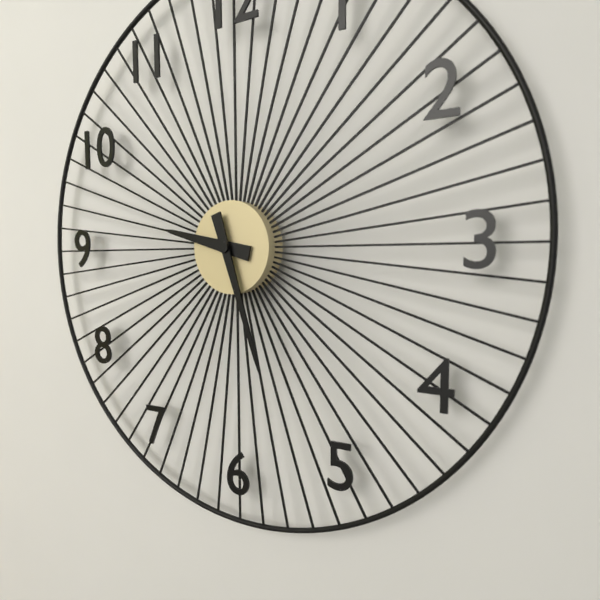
9:27
